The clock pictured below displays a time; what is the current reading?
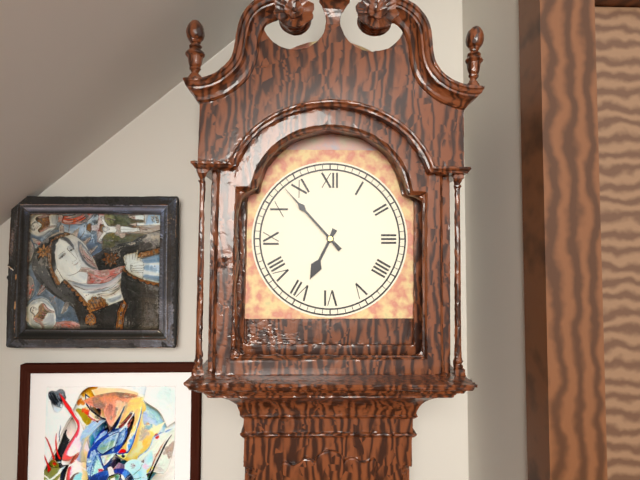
6:53
